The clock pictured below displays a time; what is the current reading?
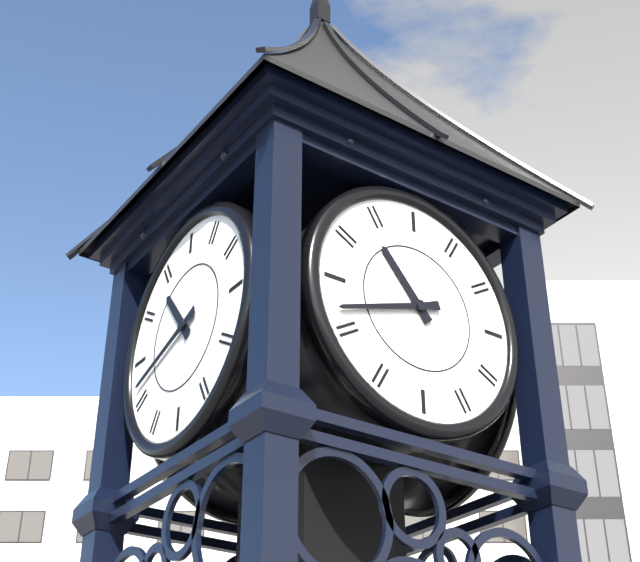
10:42
